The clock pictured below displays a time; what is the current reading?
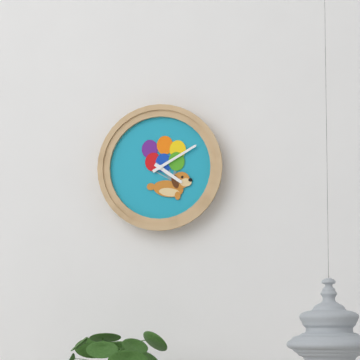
4:10
